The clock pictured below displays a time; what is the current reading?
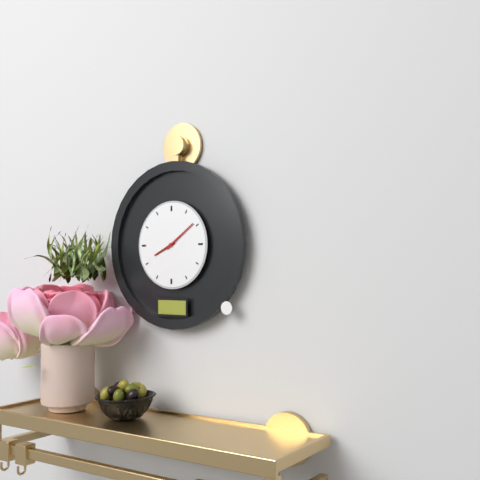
8:09
